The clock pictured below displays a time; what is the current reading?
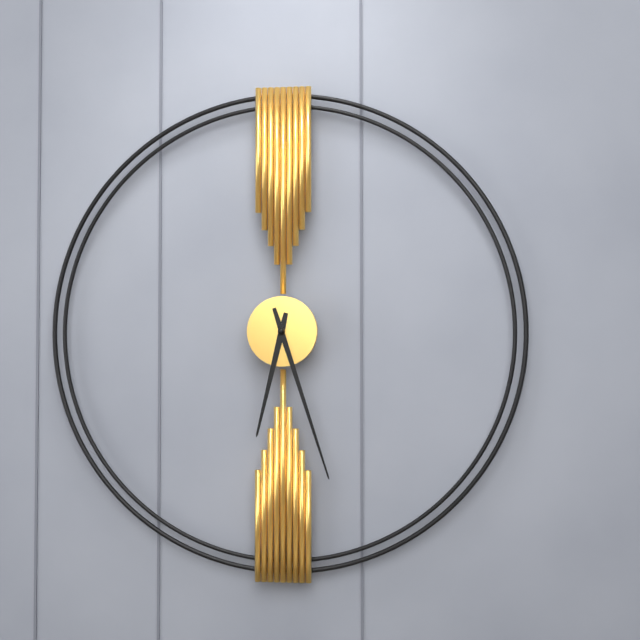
6:27
